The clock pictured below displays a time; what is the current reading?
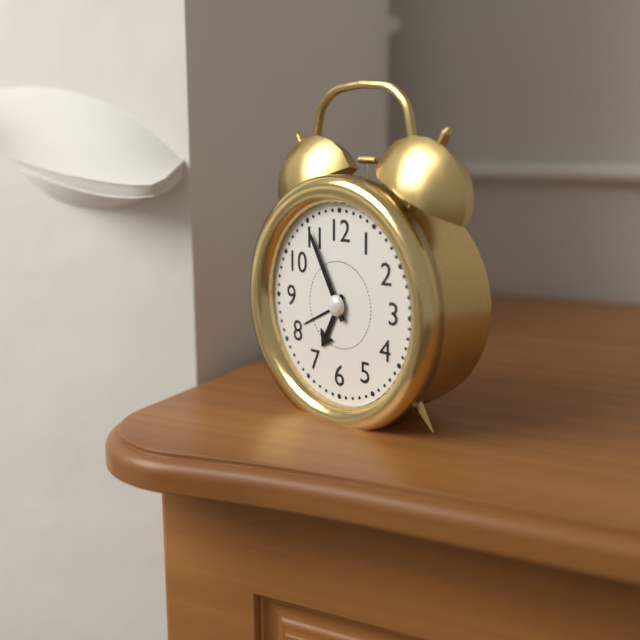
6:55
